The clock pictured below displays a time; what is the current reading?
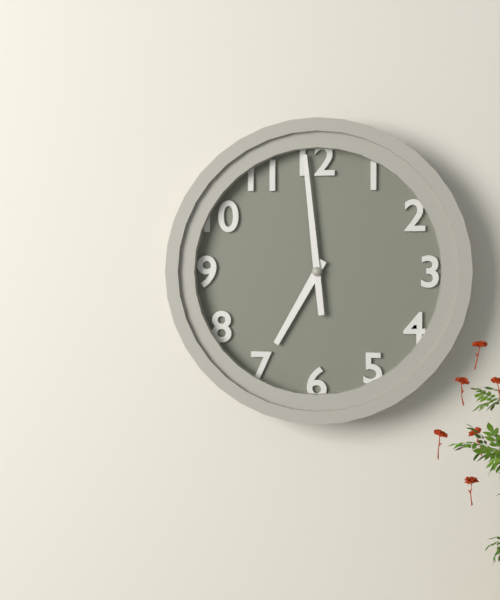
6:59
